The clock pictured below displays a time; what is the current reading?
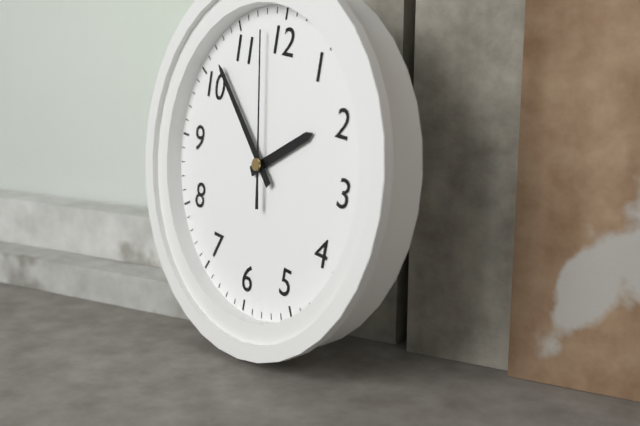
1:52:58
